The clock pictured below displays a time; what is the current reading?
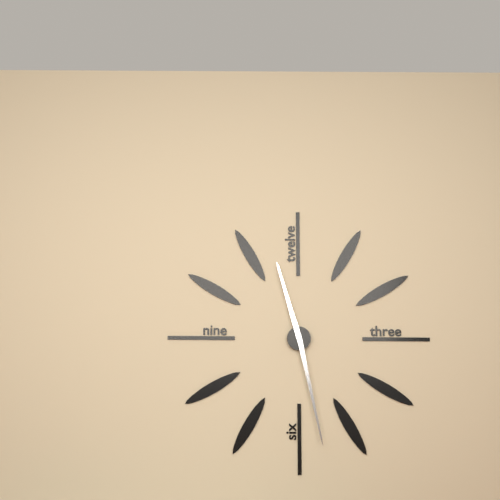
11:28
